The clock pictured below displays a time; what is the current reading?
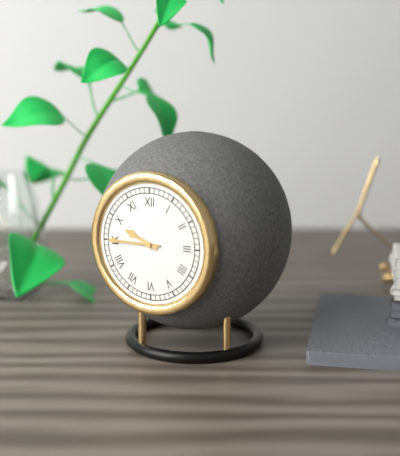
9:45
